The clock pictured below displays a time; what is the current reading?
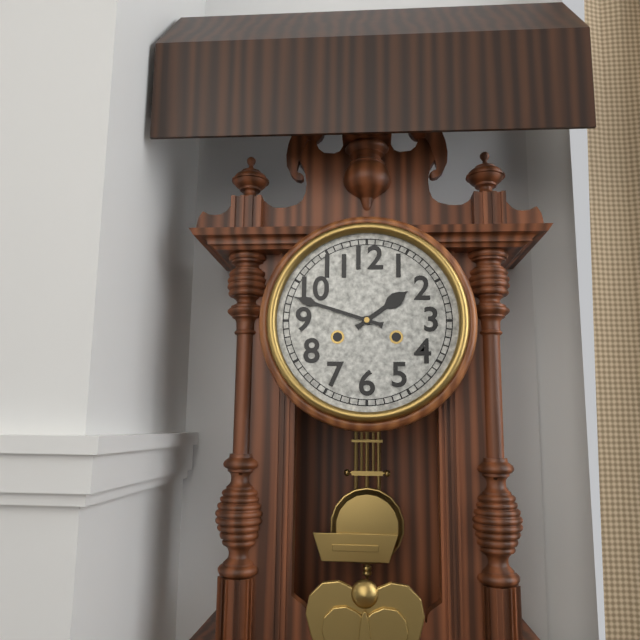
1:48
